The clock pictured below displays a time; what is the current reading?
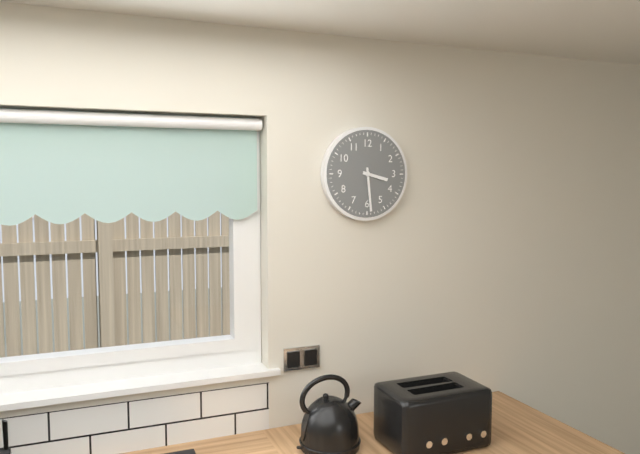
3:29
